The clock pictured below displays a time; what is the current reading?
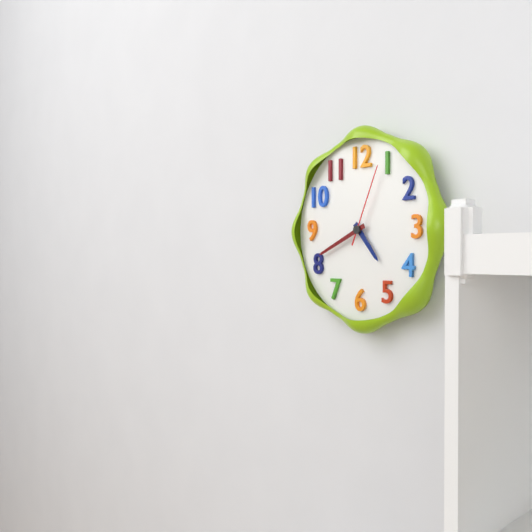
4:41:04
